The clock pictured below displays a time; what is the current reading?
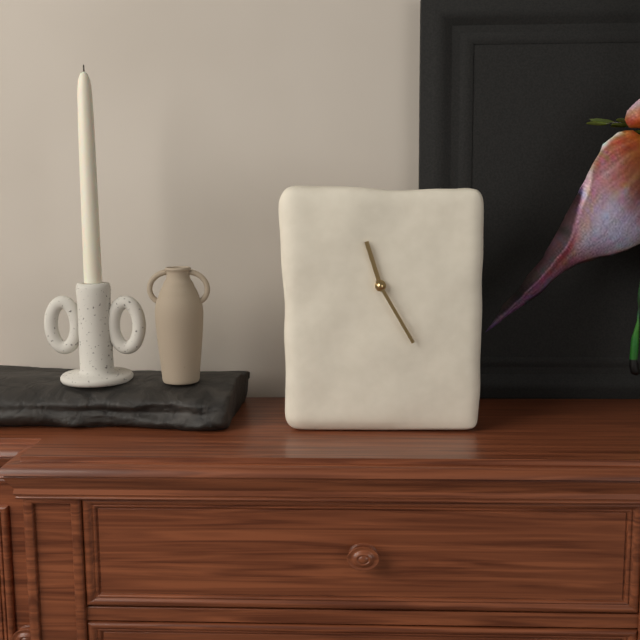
11:25
